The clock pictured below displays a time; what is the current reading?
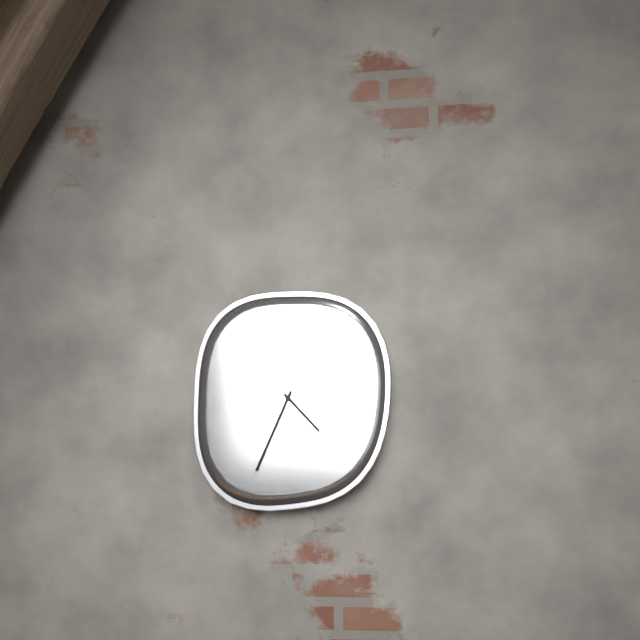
4:34
